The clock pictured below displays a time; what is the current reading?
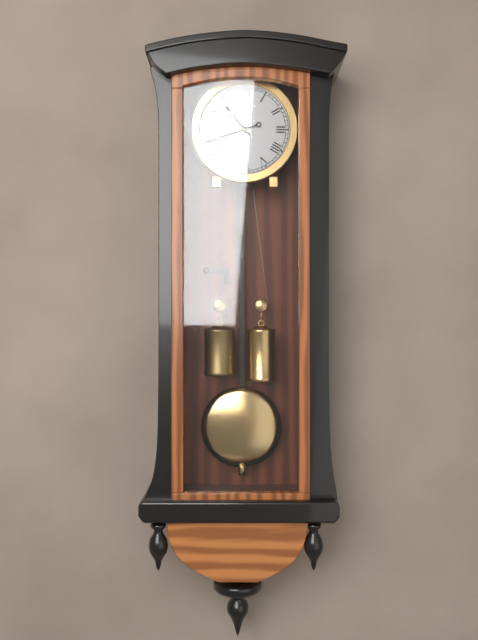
10:42
